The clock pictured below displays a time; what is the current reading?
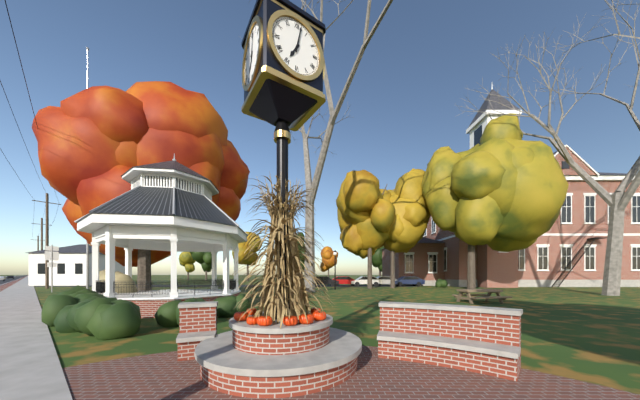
7:02
